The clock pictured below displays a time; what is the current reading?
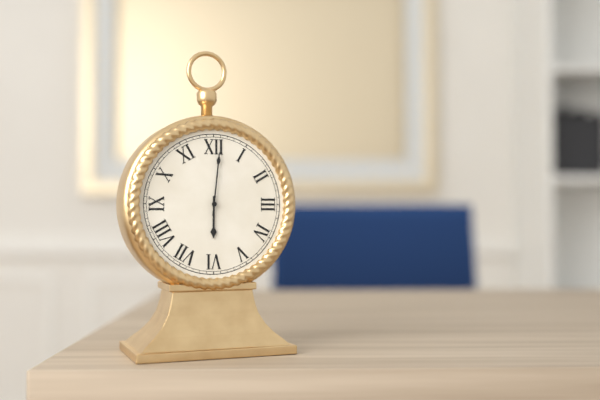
6:01
